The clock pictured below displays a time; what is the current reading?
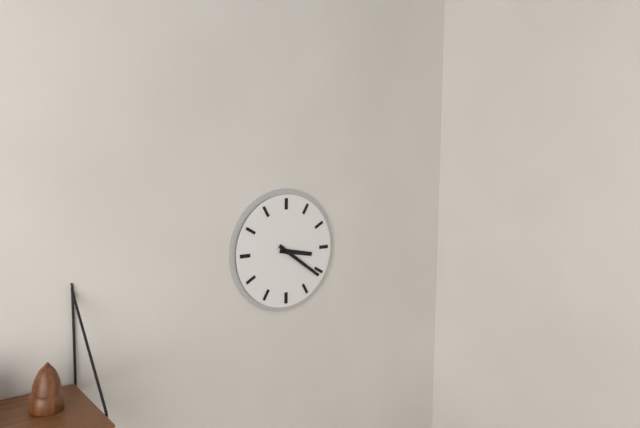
3:21
